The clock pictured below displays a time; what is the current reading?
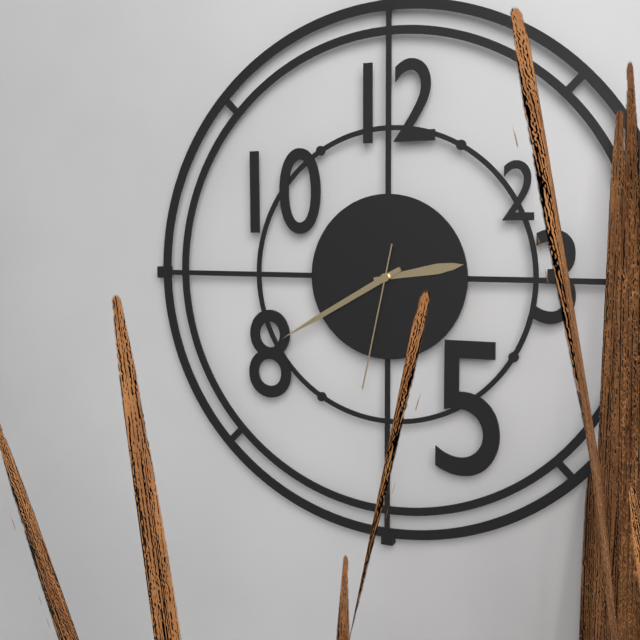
2:40:32
